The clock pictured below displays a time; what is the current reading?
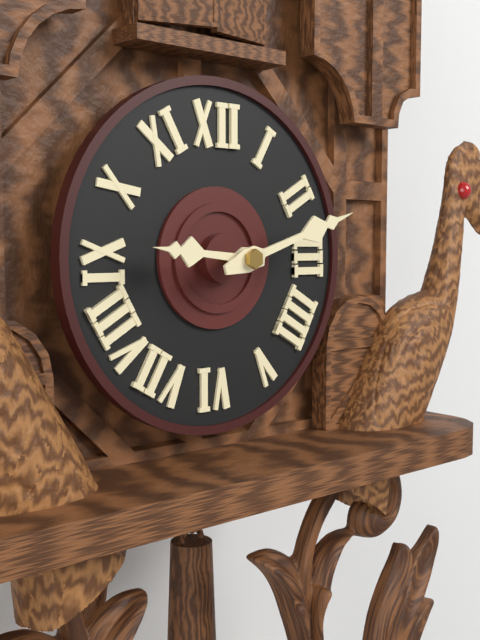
9:12
